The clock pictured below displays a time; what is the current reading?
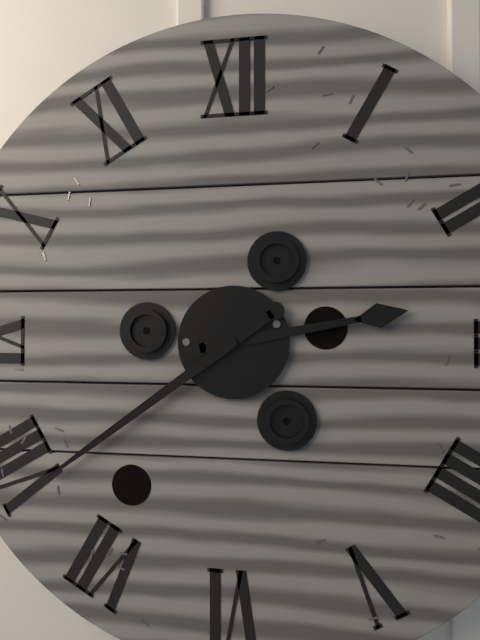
2:39
